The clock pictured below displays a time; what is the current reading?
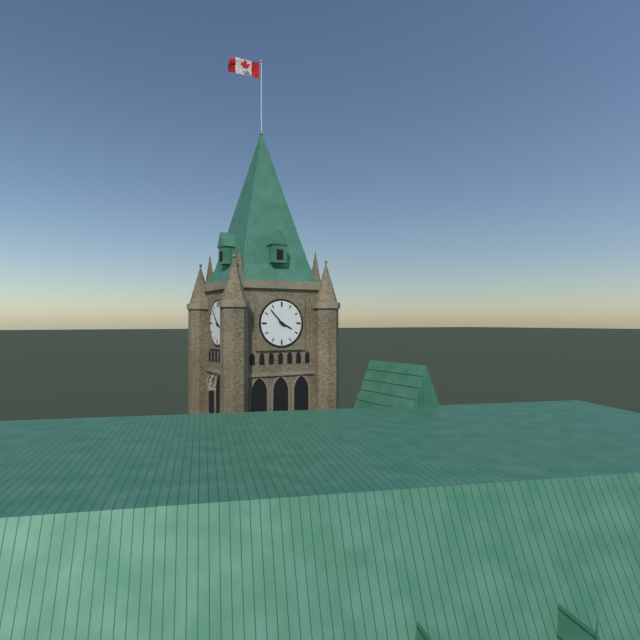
3:53
